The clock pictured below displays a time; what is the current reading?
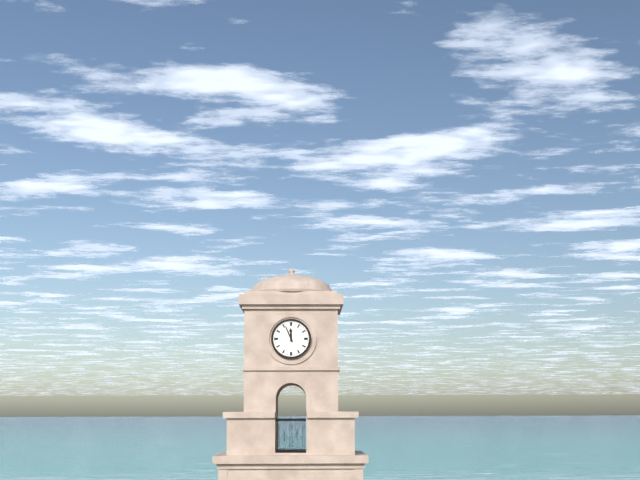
11:56
